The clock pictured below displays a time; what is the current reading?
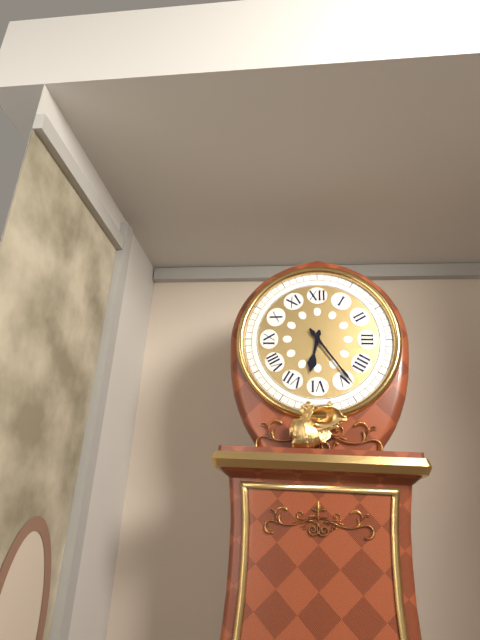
6:24
